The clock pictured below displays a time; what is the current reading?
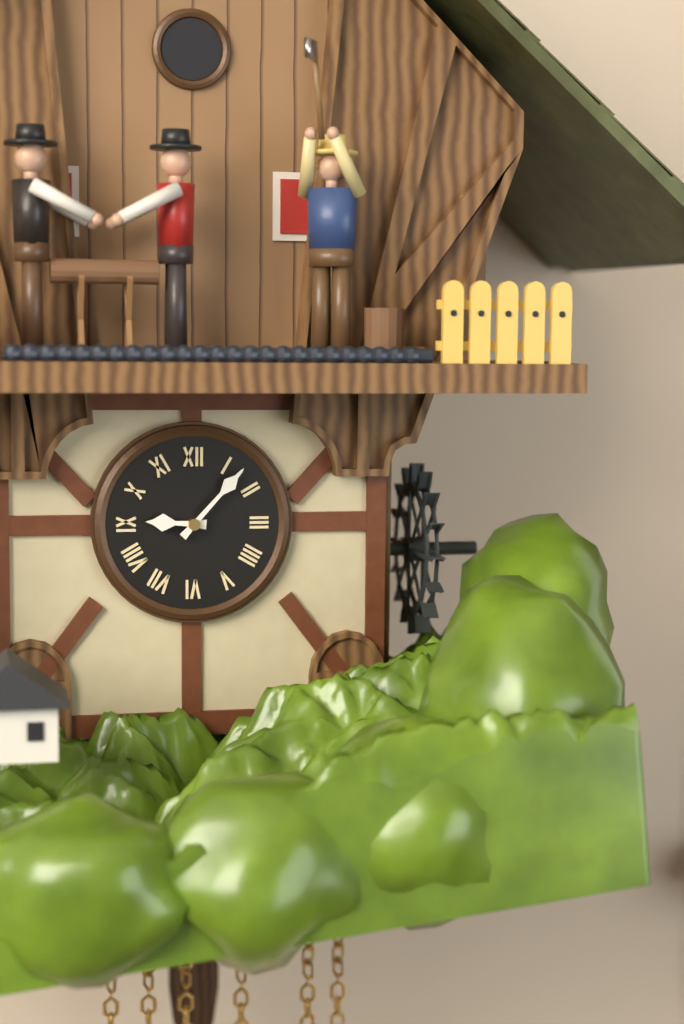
9:07
